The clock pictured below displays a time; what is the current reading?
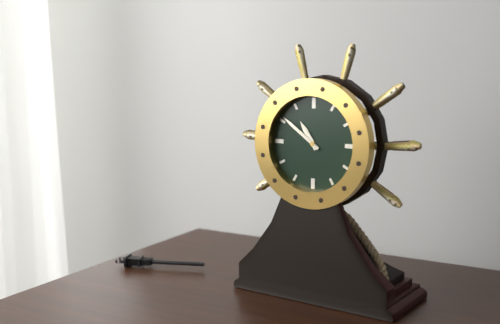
10:51
